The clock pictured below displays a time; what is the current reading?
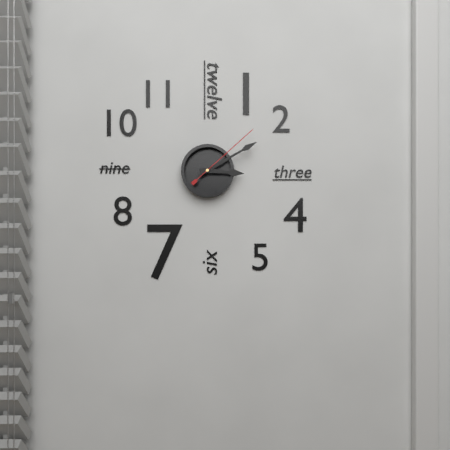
3:10:08
